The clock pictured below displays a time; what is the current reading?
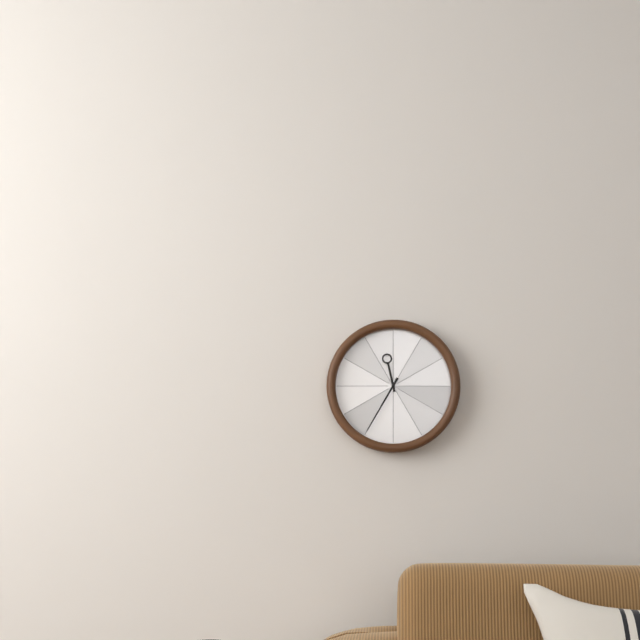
11:35
